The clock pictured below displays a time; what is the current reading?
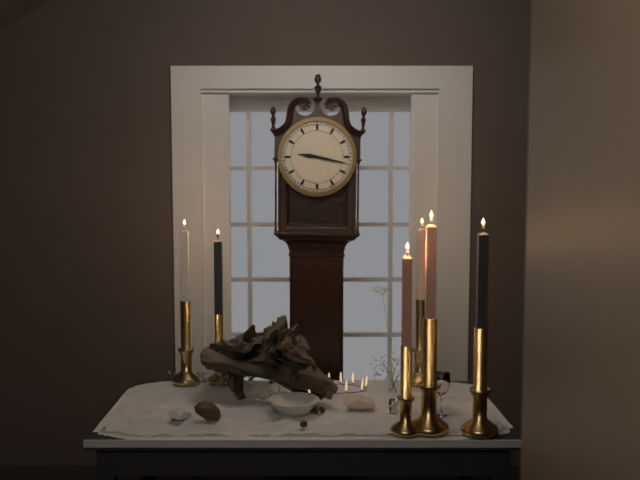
9:17
